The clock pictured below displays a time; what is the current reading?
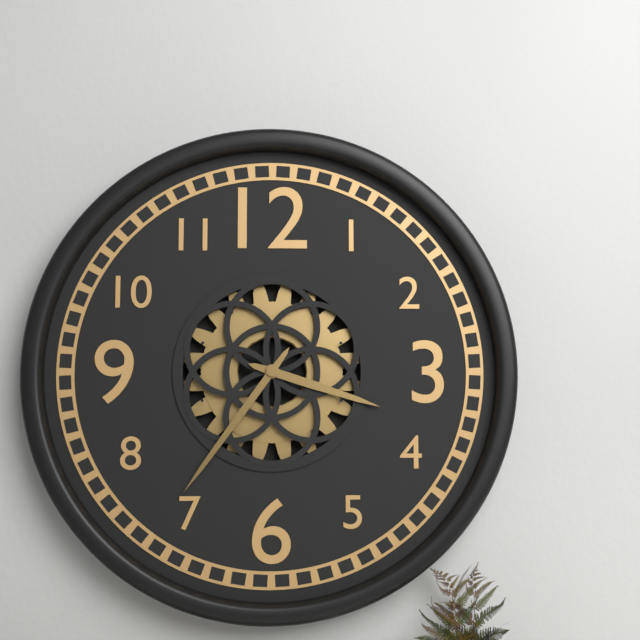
3:36
